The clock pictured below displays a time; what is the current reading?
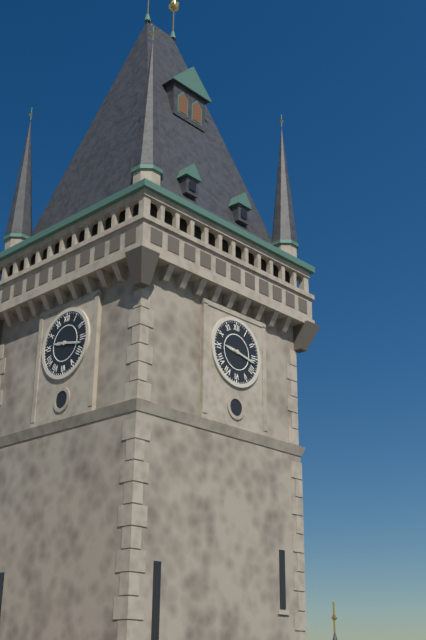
9:17
